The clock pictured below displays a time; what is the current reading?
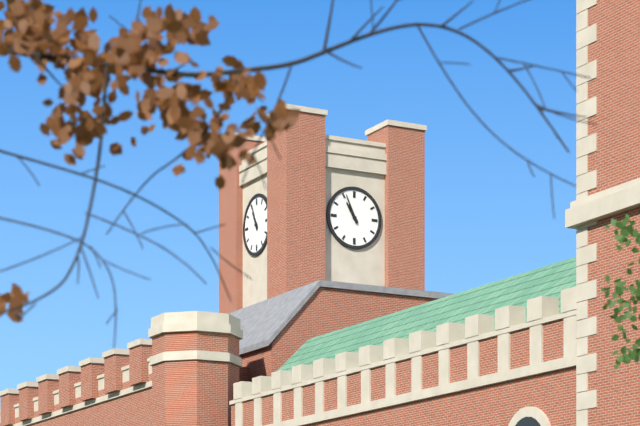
10:56
